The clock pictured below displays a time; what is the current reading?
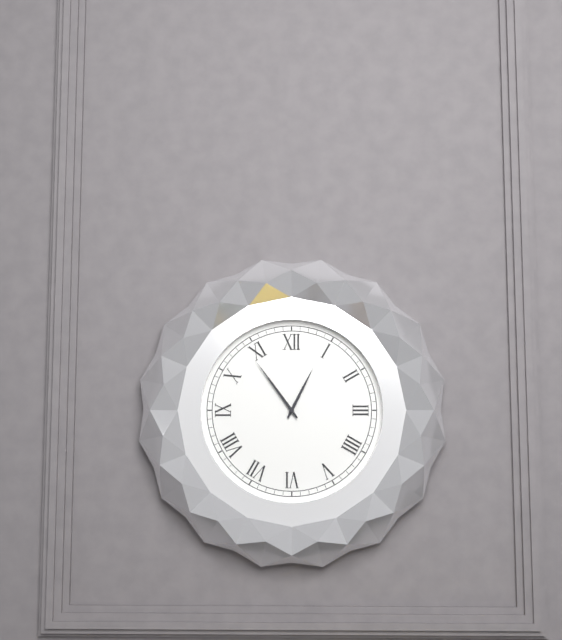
12:54
